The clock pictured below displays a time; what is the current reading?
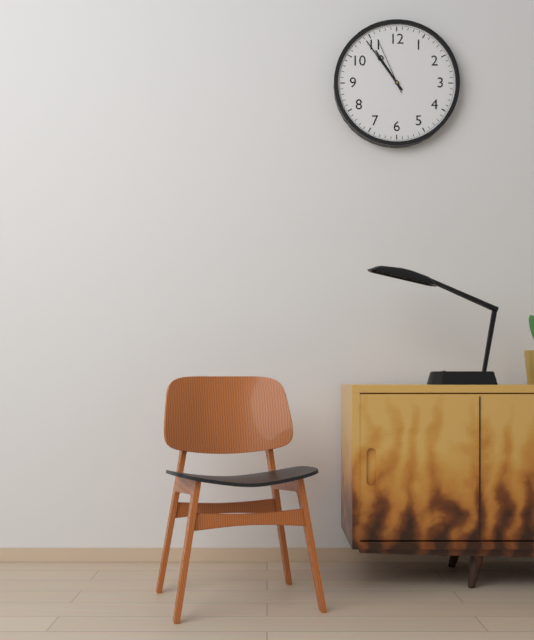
10:54:56
